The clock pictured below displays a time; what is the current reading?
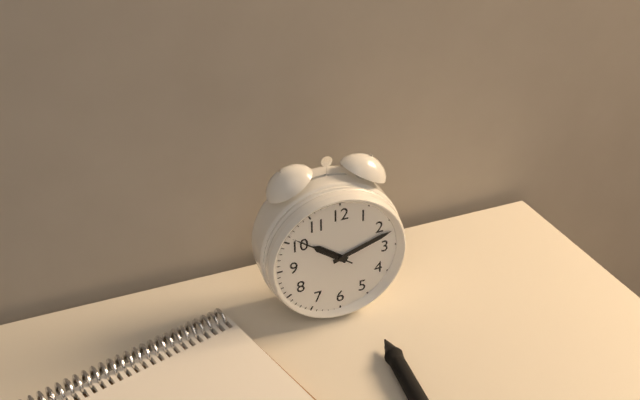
10:12:51
